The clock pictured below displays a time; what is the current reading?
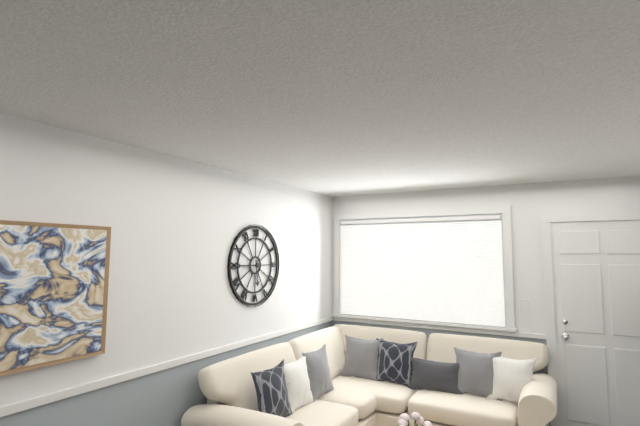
5:45
